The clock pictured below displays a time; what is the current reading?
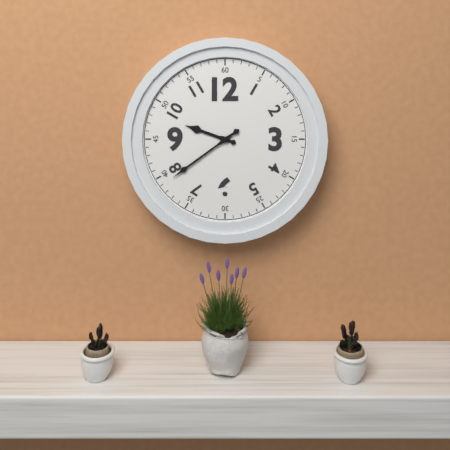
9:39
